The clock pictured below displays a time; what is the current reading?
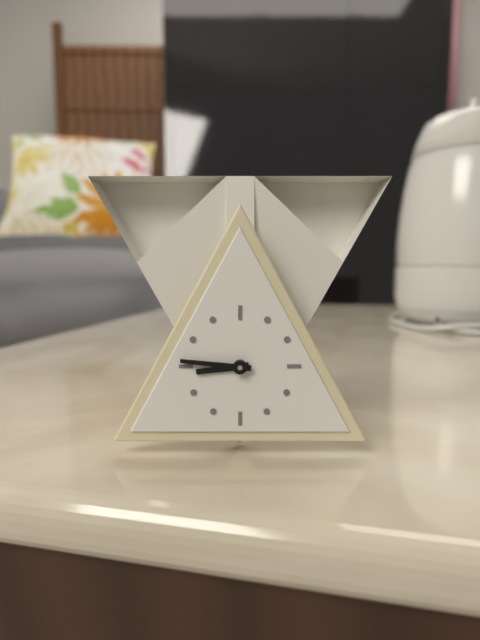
8:46
